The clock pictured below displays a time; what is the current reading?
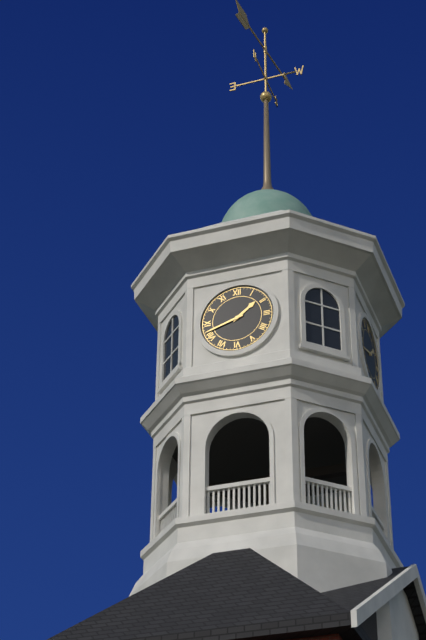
1:42
